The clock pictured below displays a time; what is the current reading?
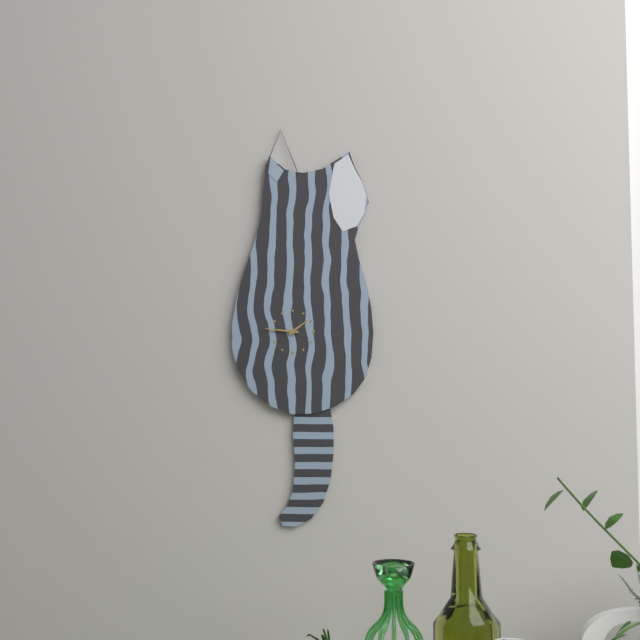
1:46
